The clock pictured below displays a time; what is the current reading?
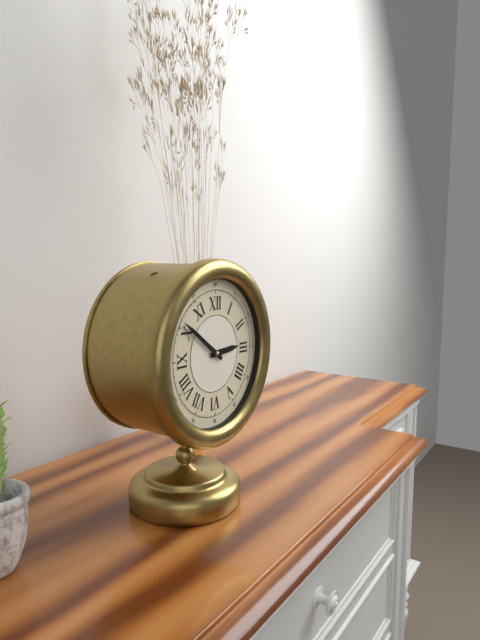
2:51
